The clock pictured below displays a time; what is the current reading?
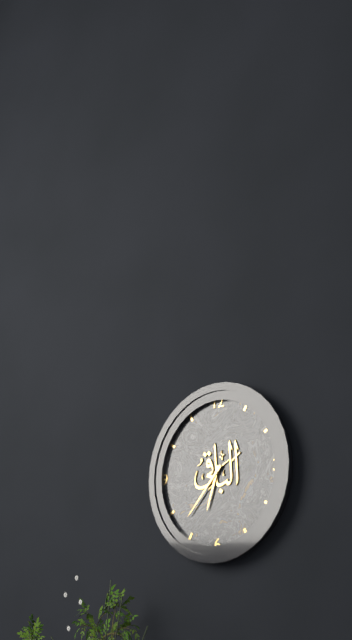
6:37
